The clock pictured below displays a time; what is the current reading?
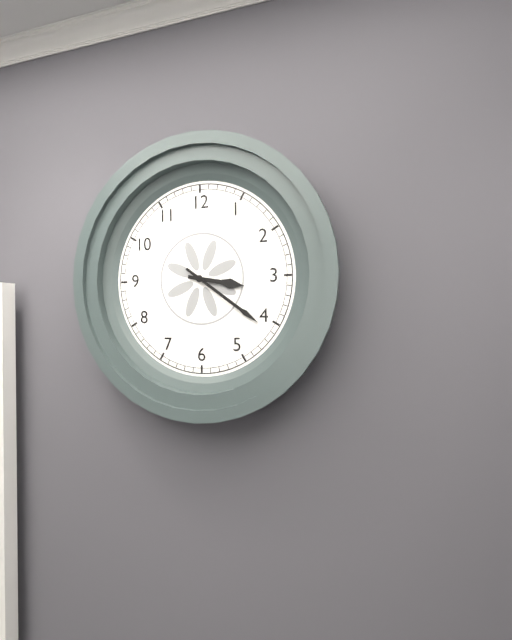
3:21
